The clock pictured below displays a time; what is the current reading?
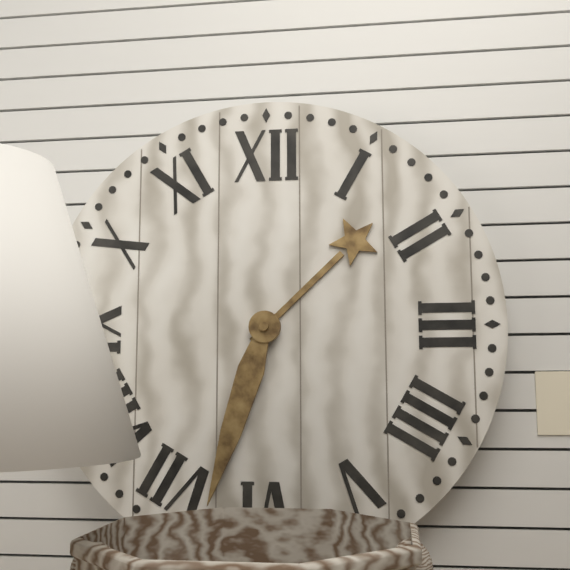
1:33
